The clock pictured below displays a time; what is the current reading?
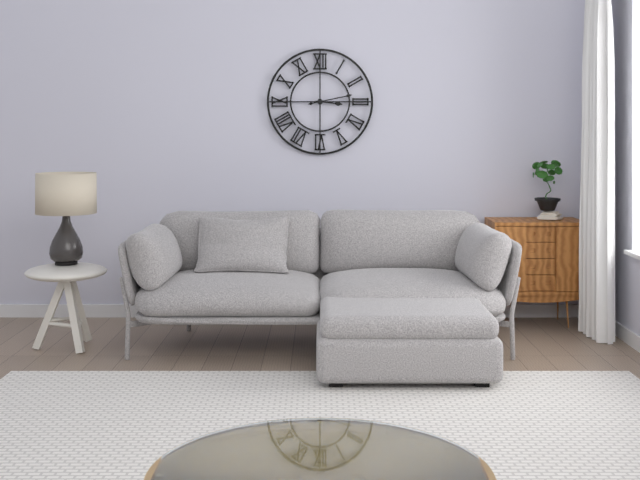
3:13
